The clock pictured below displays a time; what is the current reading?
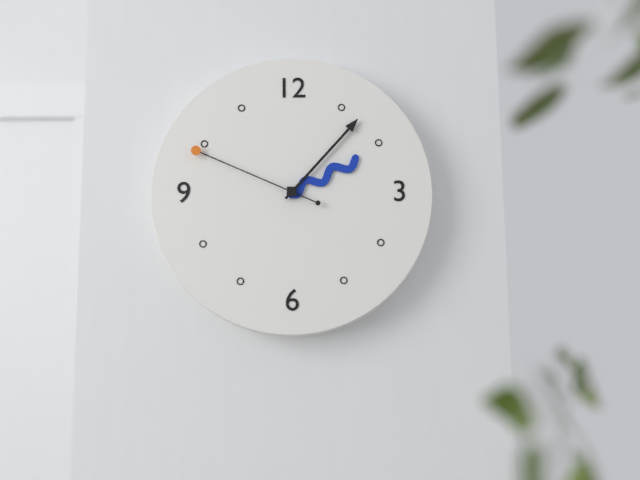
2:07:49
